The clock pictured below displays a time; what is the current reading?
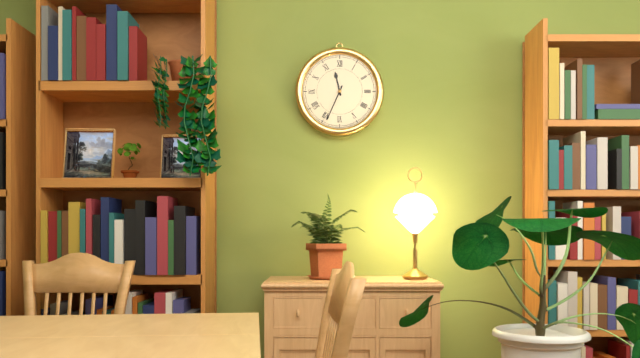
11:34
